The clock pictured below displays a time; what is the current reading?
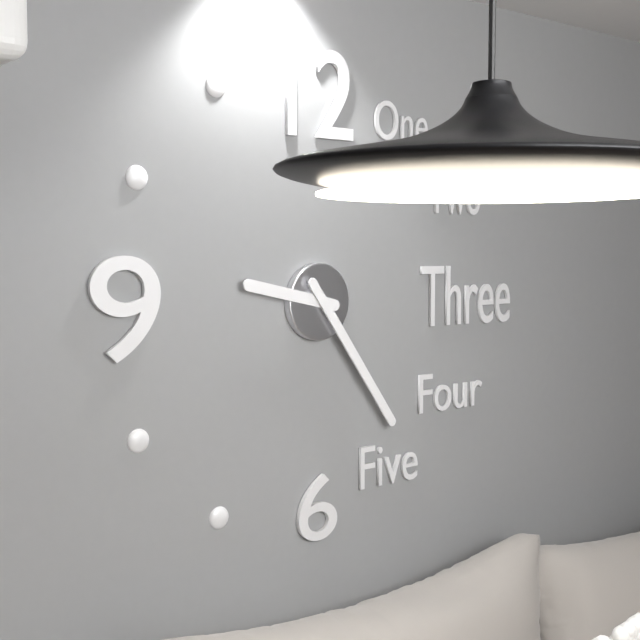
9:24
